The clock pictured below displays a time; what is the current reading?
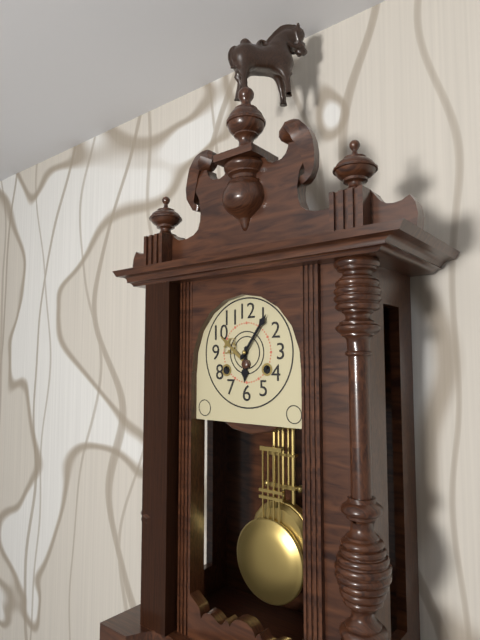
6:06
